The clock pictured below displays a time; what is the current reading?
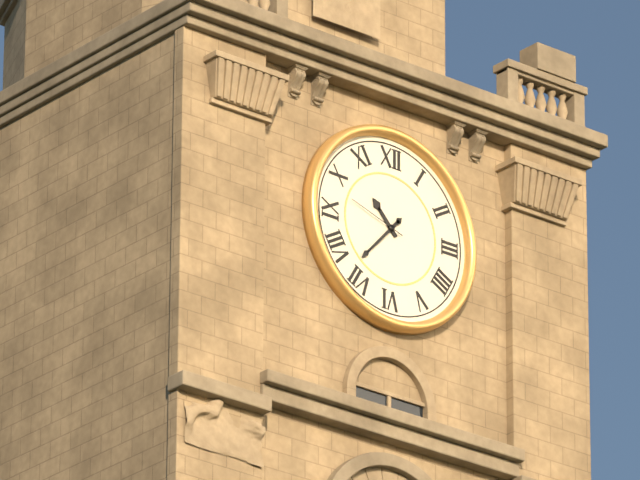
10:37:48
